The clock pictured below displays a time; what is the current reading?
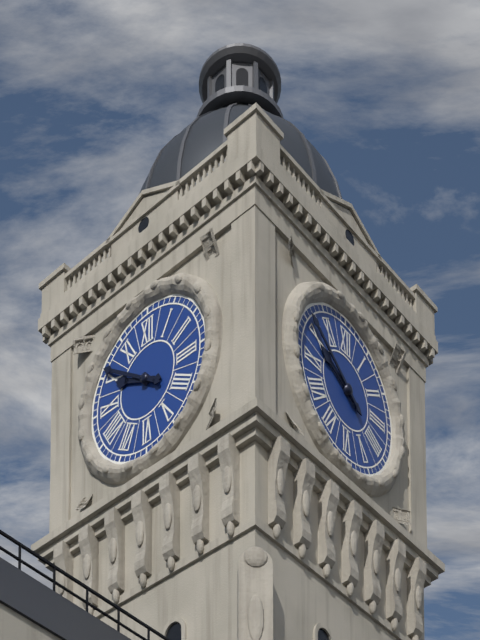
9:51
